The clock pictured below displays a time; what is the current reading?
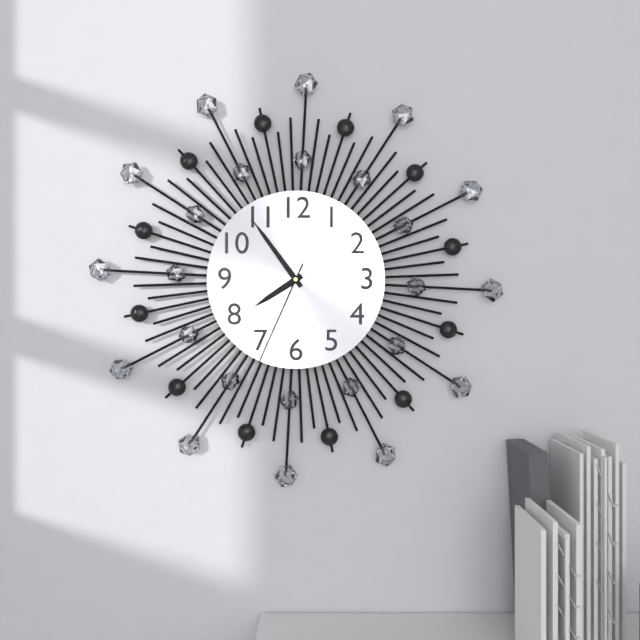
7:54:34
